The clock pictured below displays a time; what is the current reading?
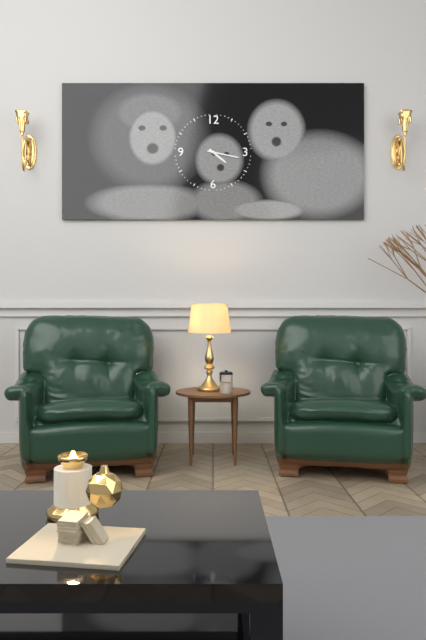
4:17
